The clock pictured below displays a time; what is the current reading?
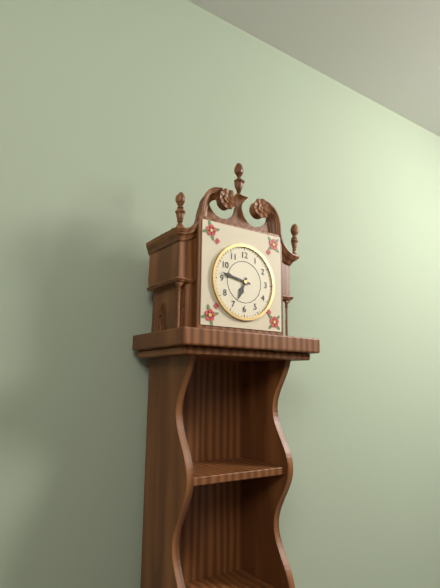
6:47
